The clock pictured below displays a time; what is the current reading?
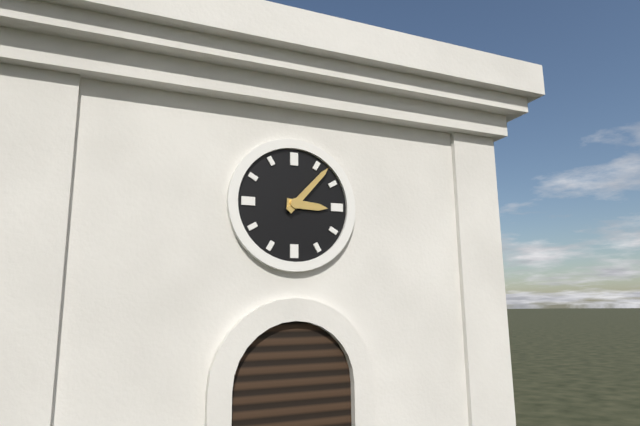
3:07
